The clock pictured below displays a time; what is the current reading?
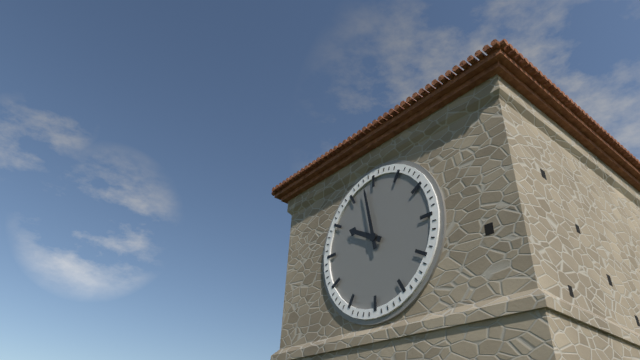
9:58
